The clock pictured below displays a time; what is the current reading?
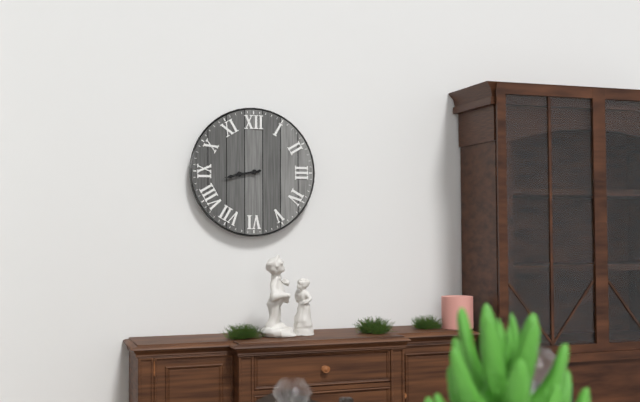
8:43
